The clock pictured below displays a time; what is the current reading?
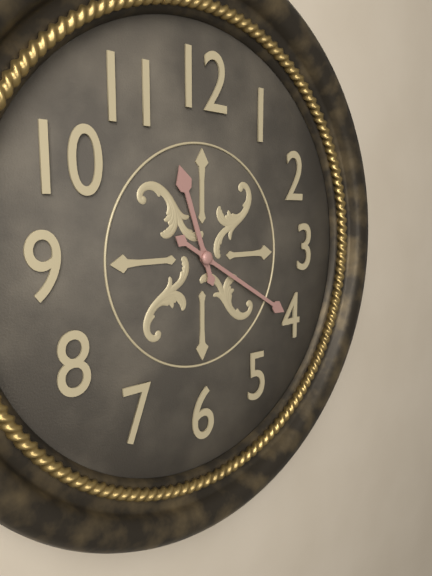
11:20
